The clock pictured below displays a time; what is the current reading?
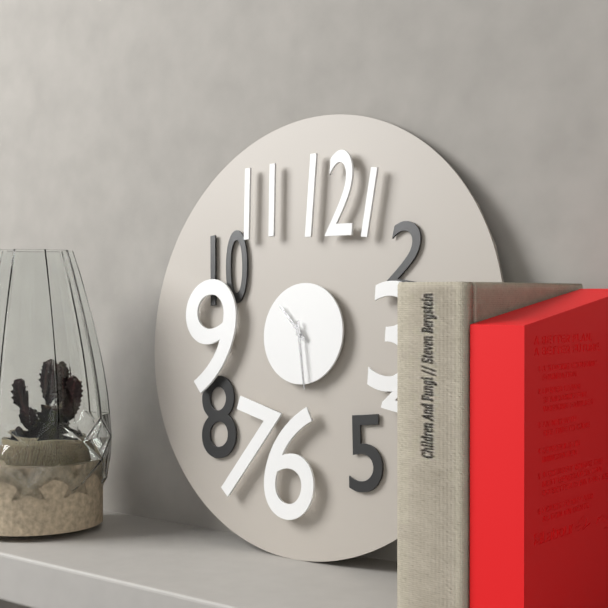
10:28
